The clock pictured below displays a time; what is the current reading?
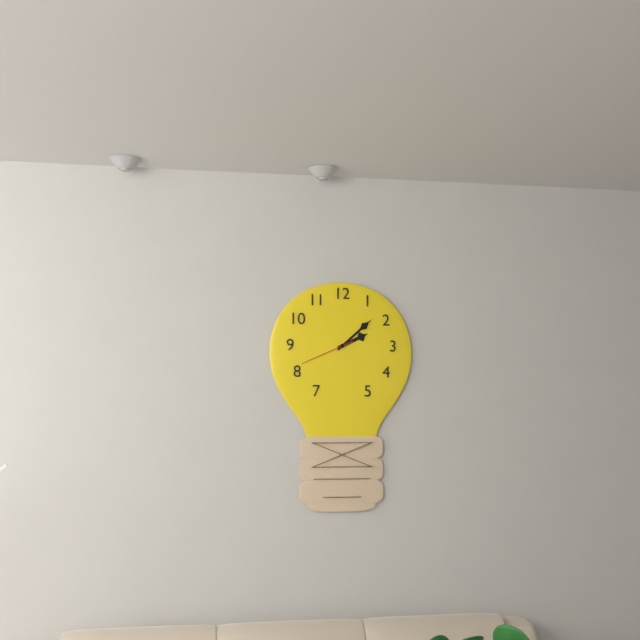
2:08:41
